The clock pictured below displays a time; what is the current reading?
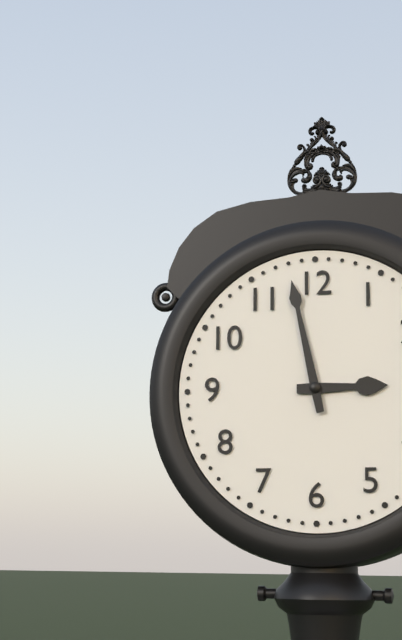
2:58
